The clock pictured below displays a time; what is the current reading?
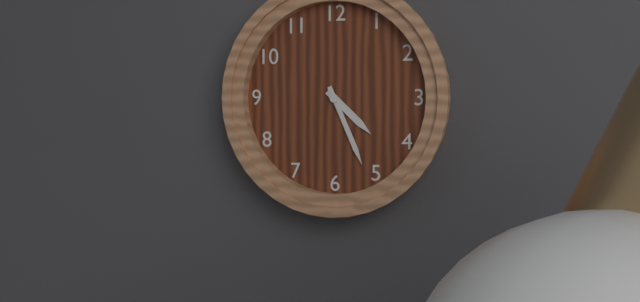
4:26
